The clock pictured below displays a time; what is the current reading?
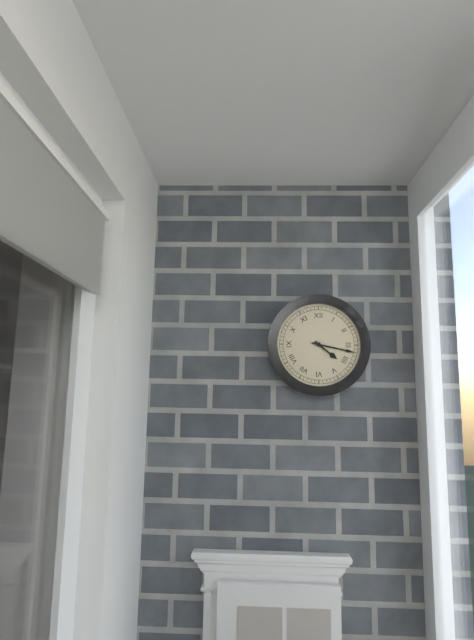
4:17
